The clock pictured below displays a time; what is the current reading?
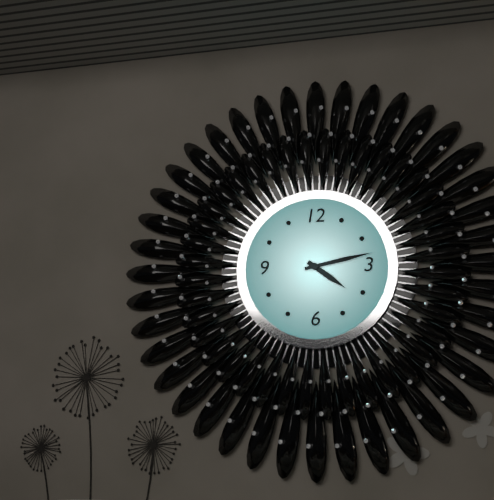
4:13
